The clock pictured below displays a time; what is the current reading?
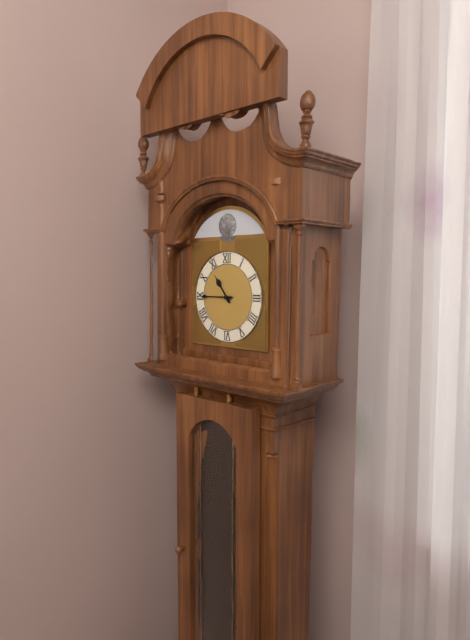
10:45
